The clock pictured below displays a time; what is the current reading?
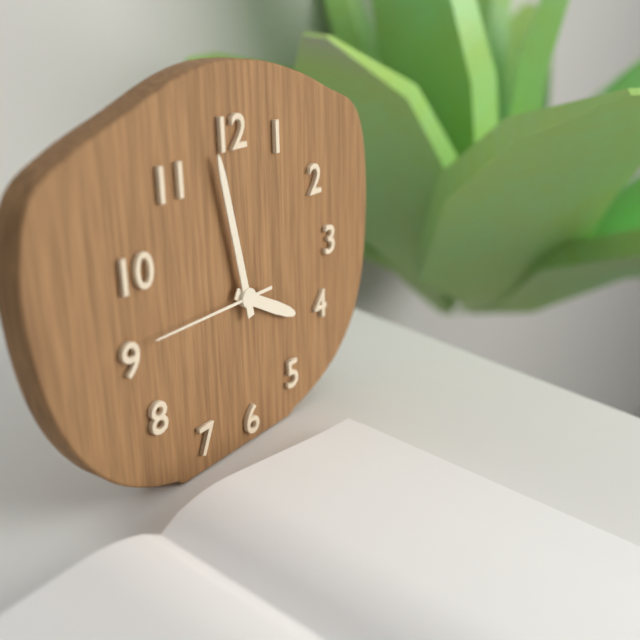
3:58:45
